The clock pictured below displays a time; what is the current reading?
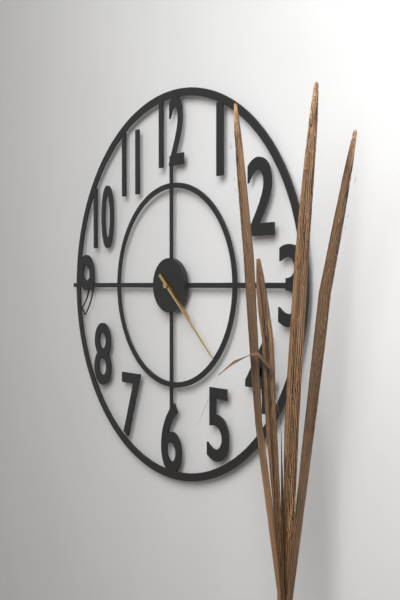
4:22
